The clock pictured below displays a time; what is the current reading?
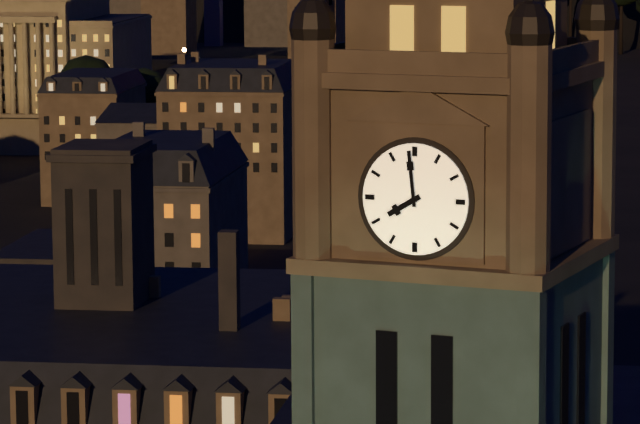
7:59
